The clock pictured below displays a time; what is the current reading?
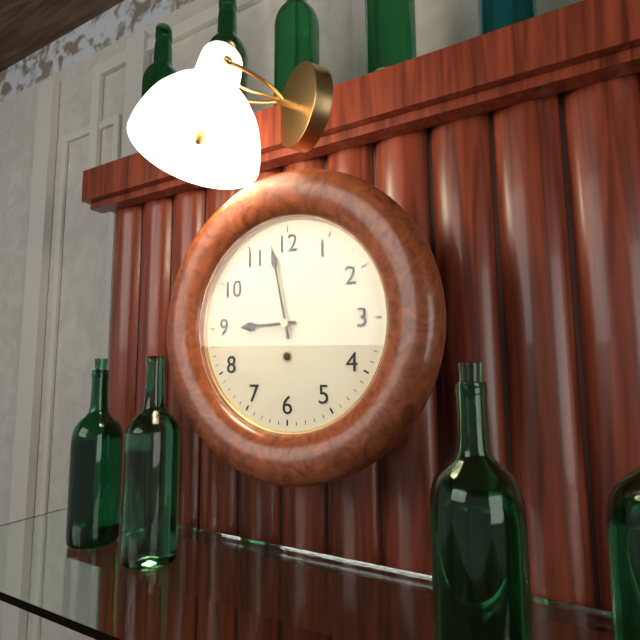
8:58
